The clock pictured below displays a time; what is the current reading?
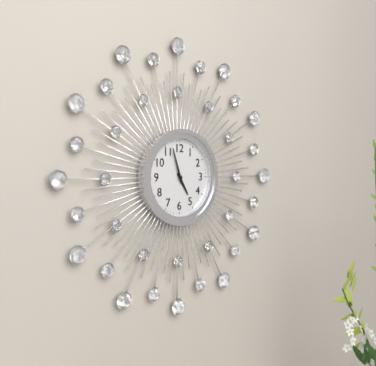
4:57
